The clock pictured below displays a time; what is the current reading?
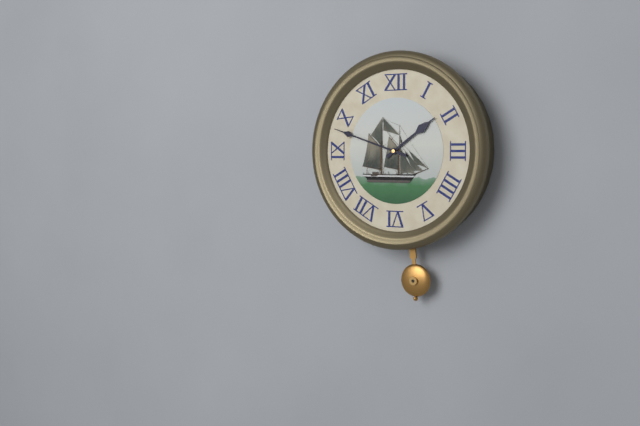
1:48
